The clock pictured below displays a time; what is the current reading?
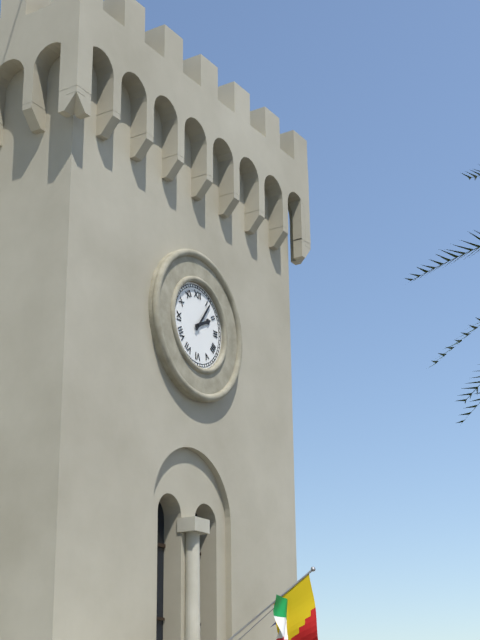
2:06
